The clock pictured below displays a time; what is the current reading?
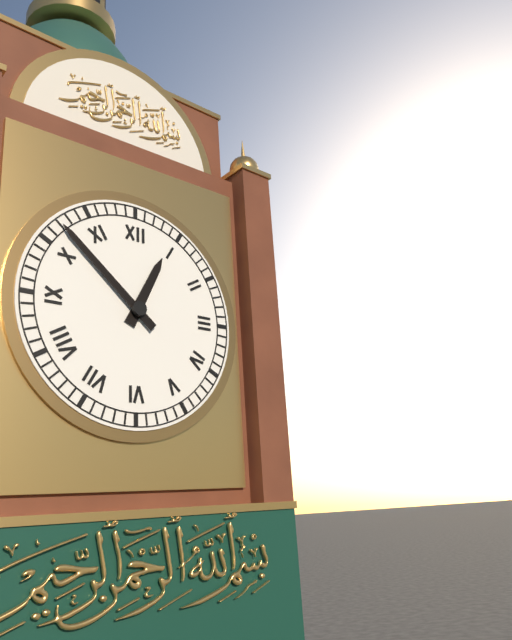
12:52
